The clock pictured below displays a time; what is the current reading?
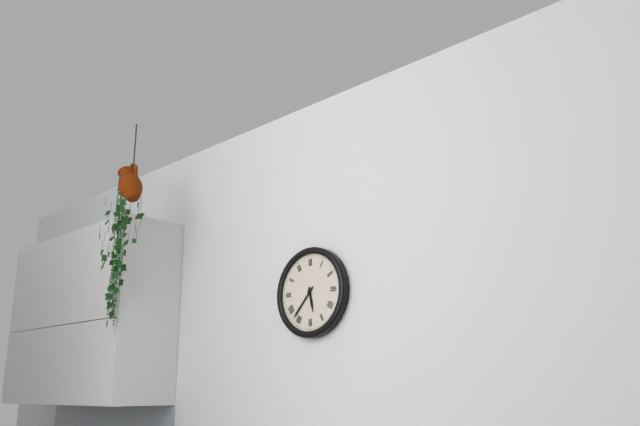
5:37
